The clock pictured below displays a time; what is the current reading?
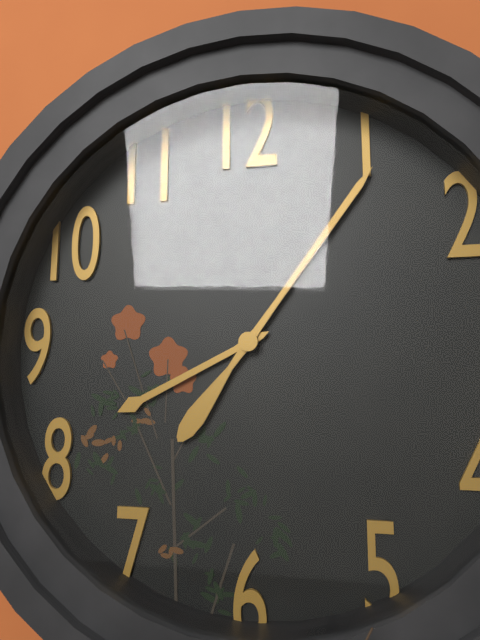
8:06
